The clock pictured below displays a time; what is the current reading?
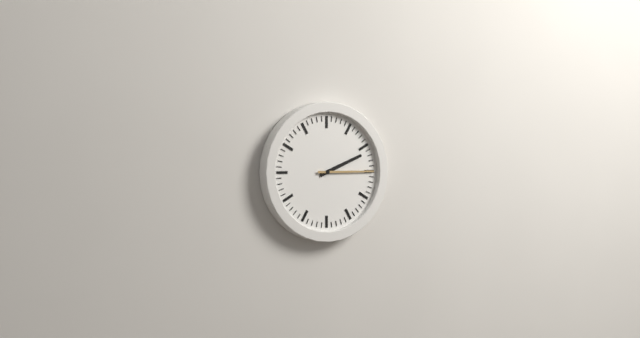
2:15
